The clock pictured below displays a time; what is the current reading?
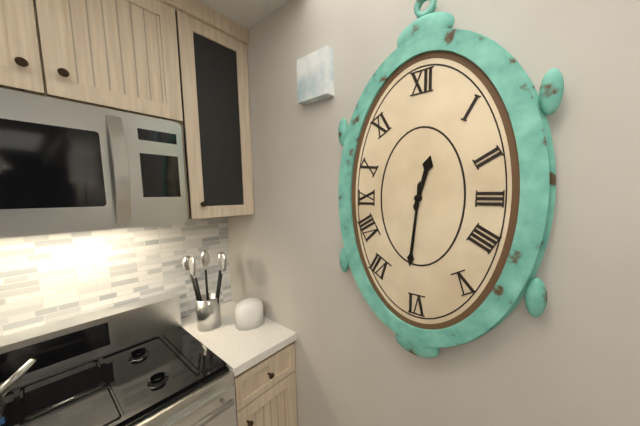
12:31
